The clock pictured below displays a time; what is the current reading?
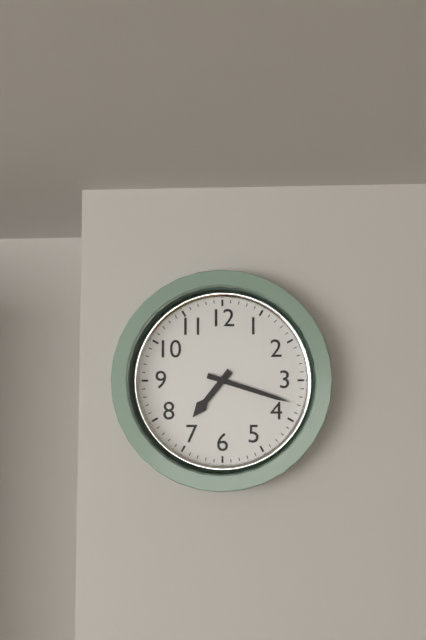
7:18
